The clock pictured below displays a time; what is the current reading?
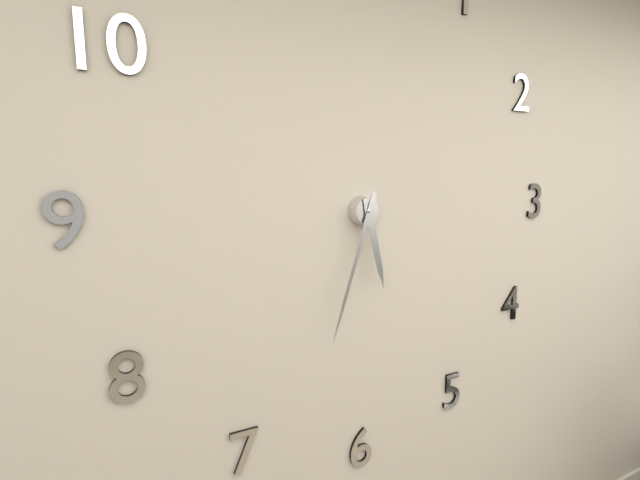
5:33
